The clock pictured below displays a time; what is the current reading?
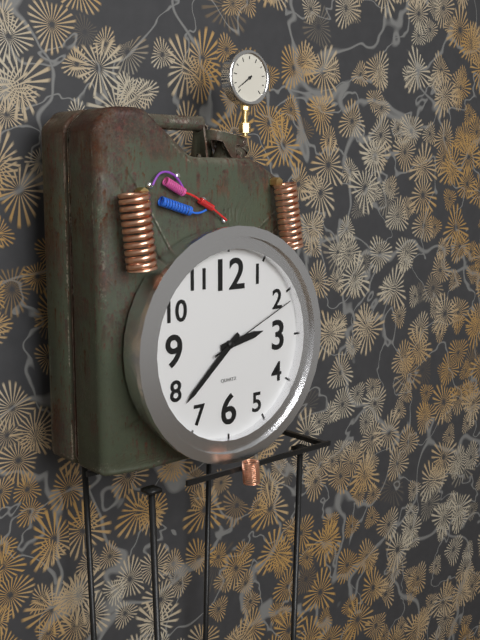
2:38:11
